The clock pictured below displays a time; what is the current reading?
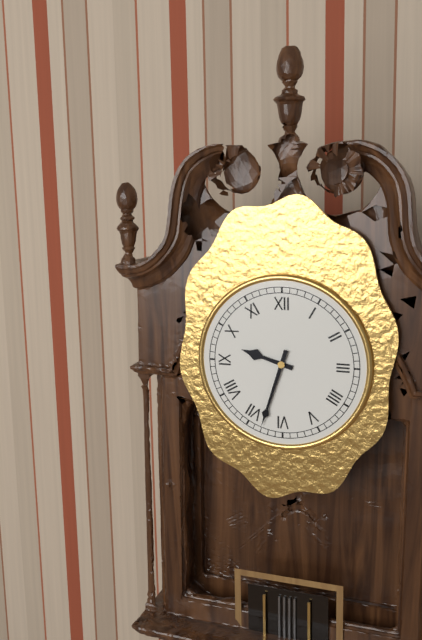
9:33
